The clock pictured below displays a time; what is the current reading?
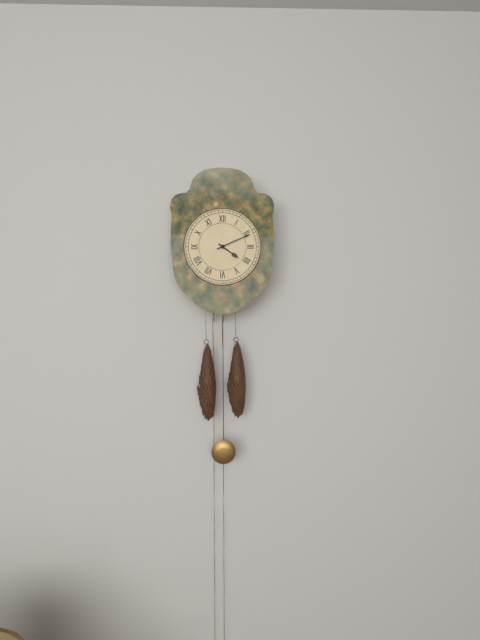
4:11
